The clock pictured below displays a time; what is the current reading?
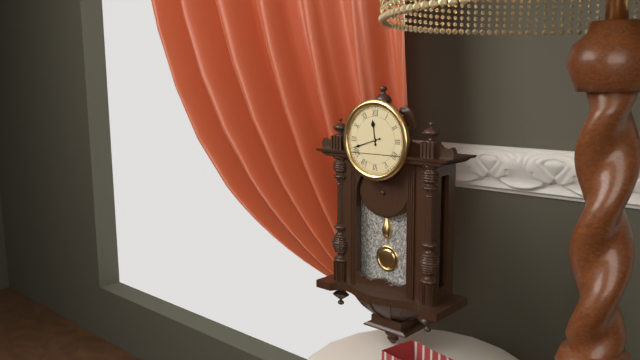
11:42
